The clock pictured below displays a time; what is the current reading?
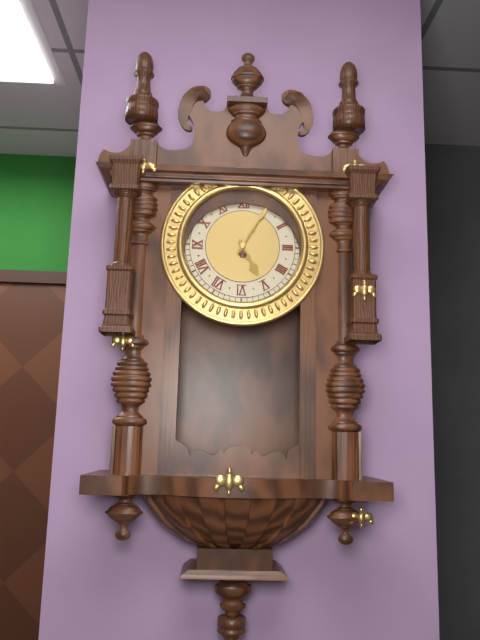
5:05
